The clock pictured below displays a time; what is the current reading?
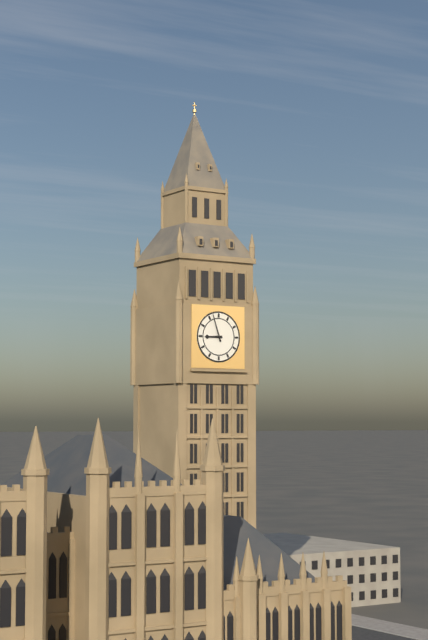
8:57
